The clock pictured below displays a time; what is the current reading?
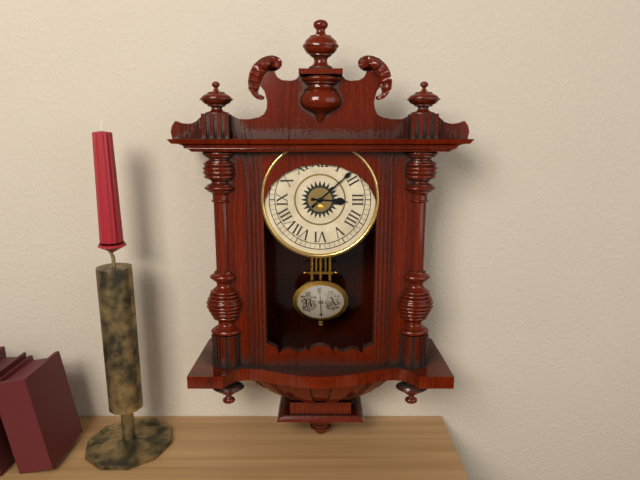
3:08
